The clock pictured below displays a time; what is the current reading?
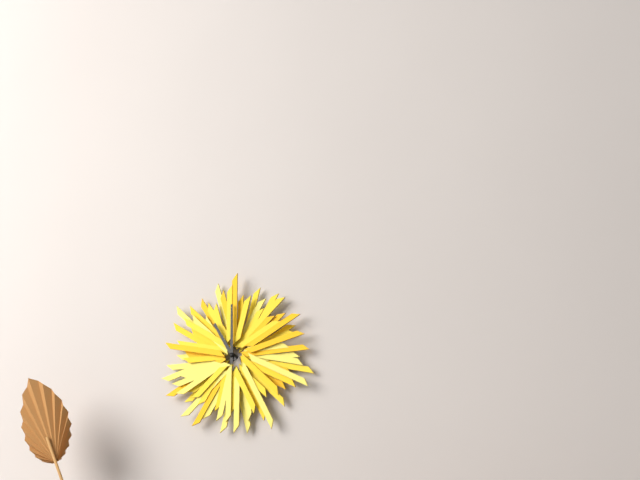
11:00
